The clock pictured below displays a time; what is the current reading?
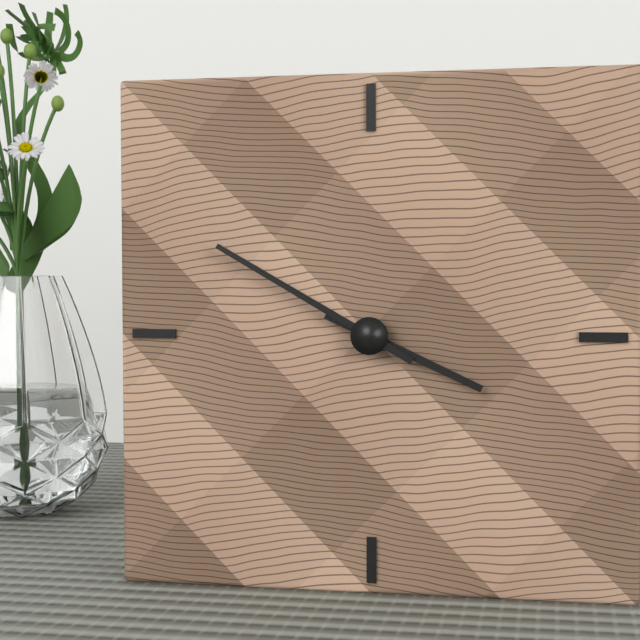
3:50
